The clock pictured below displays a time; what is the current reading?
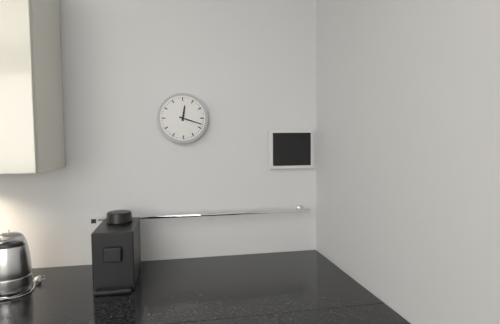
12:18
